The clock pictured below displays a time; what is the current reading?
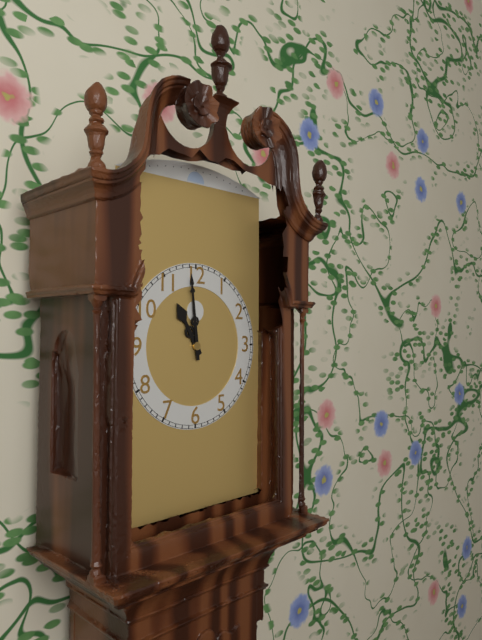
10:59
